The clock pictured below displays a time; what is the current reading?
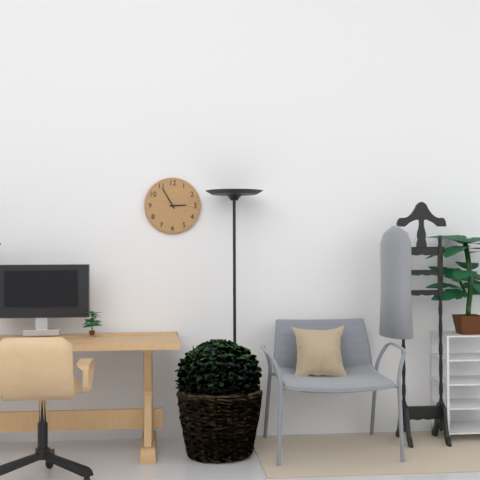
2:55
